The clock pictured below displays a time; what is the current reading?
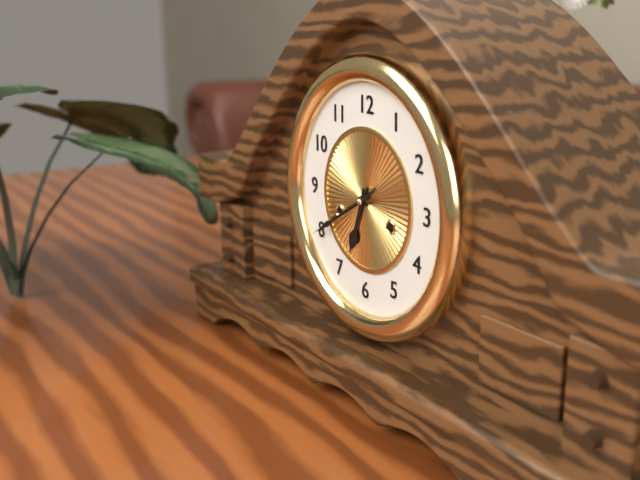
6:40
